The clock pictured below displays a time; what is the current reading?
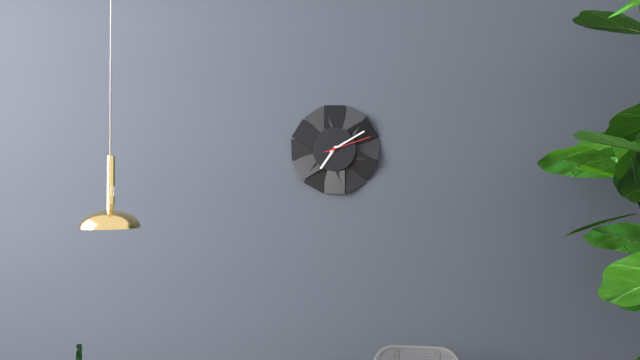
7:10
